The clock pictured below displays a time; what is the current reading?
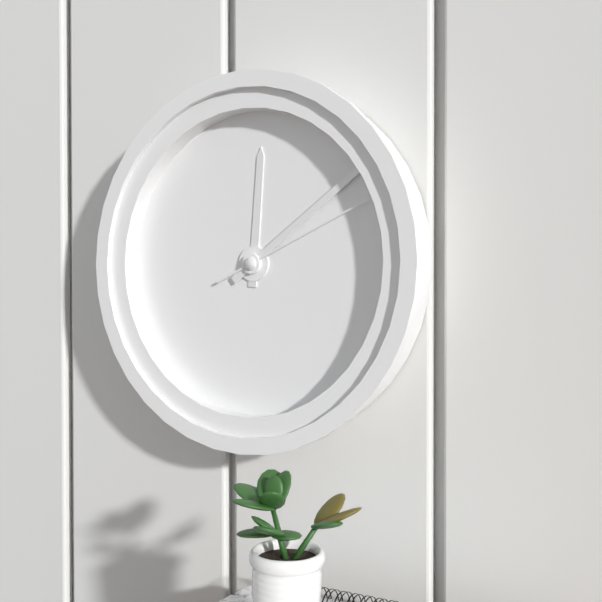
12:09:11
